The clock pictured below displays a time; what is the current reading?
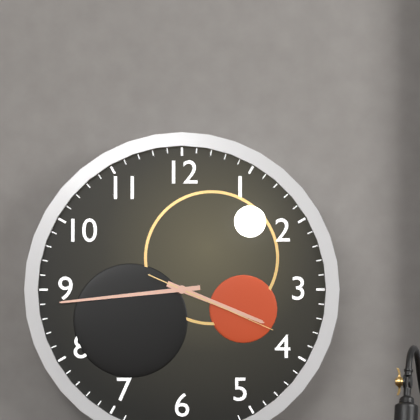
3:44:19
